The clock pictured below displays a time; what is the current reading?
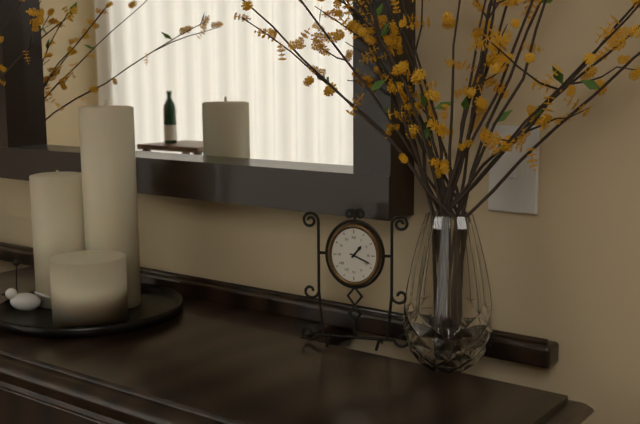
1:19
